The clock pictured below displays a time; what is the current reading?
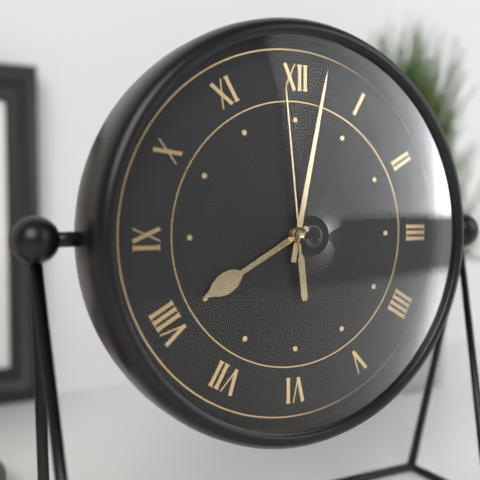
8:02:59
